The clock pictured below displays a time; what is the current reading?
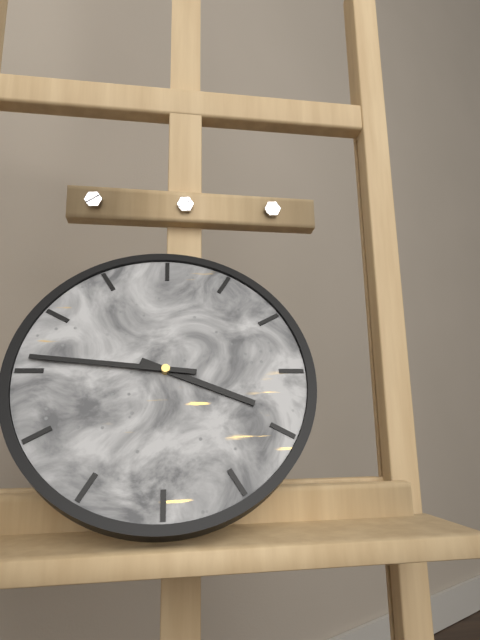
3:46
